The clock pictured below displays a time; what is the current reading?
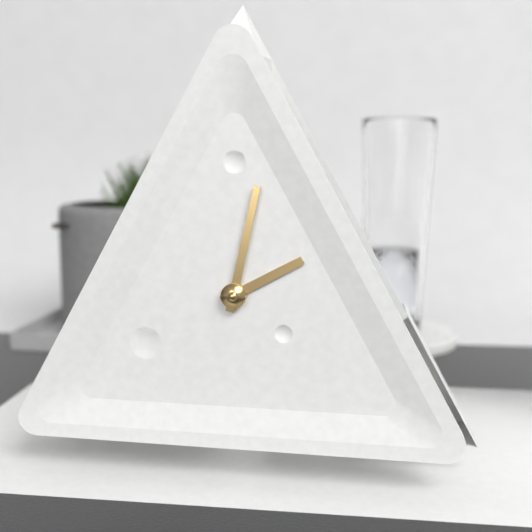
2:02
